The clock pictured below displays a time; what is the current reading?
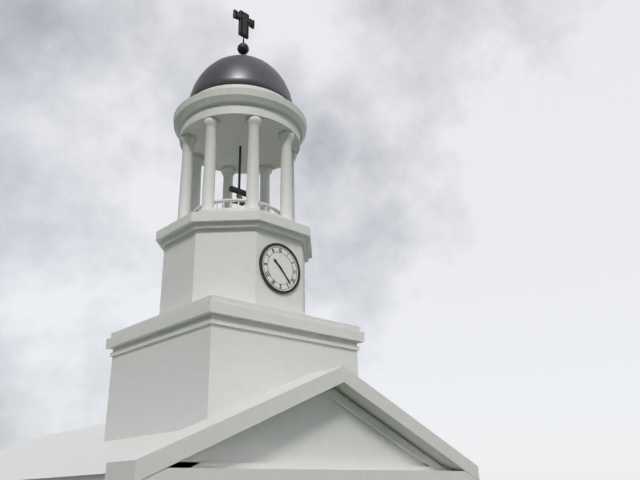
10:23
